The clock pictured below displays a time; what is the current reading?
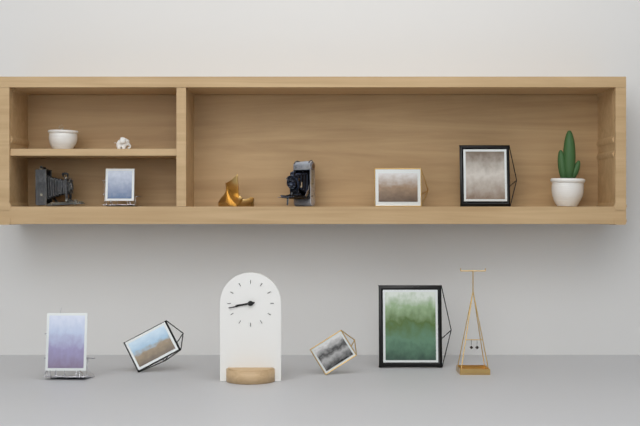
8:43
